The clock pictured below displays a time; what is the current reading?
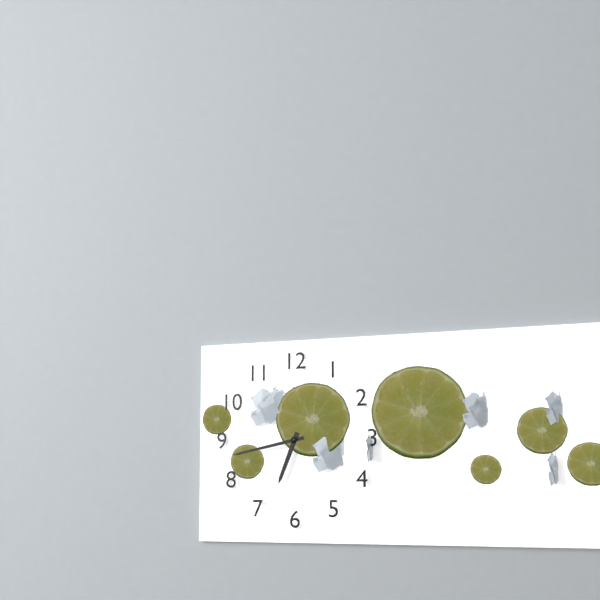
6:43
